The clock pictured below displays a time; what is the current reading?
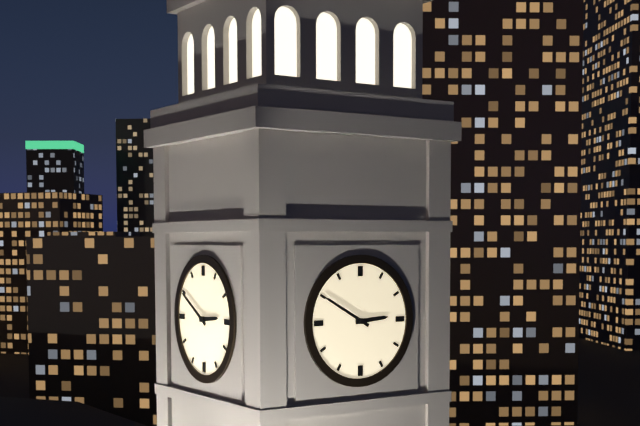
2:50
